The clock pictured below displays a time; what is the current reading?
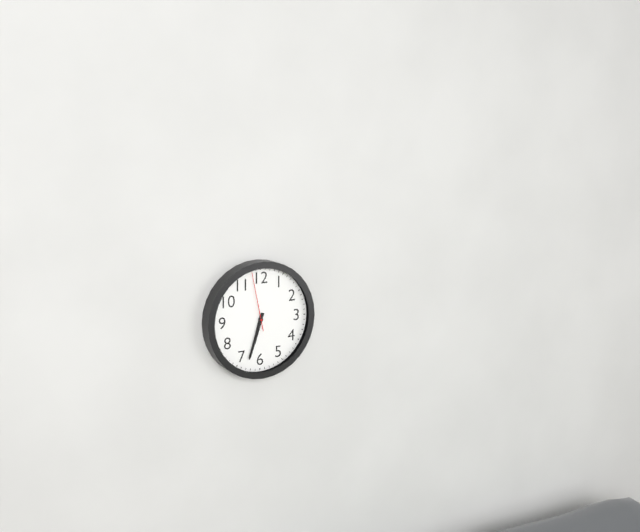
6:33:58
